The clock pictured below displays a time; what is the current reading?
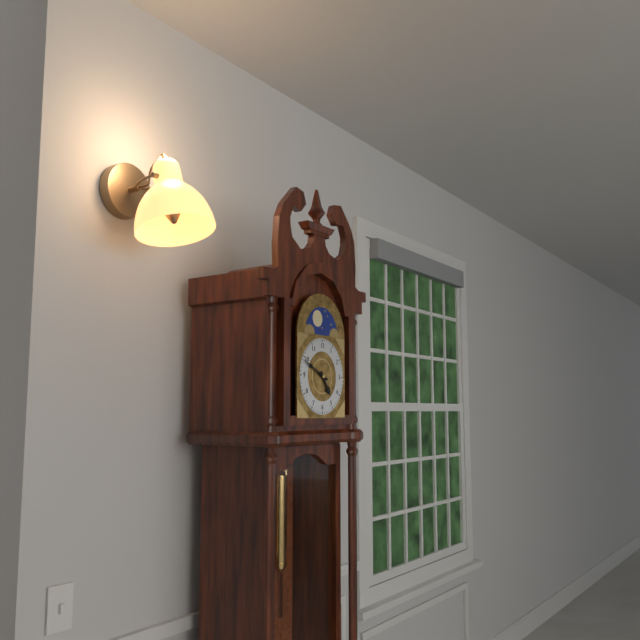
4:49
